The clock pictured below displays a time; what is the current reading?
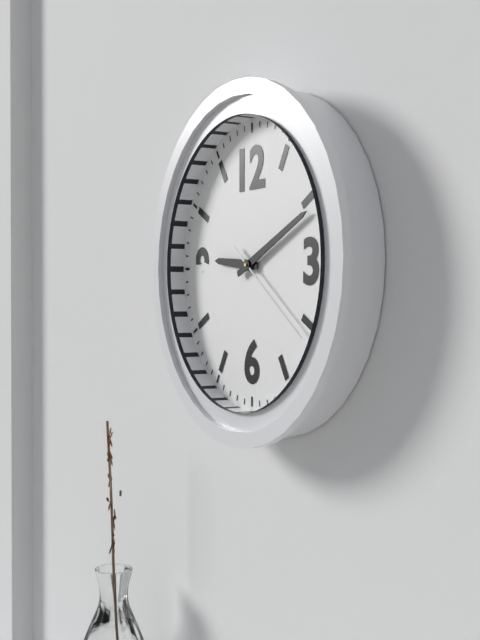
9:11:21
